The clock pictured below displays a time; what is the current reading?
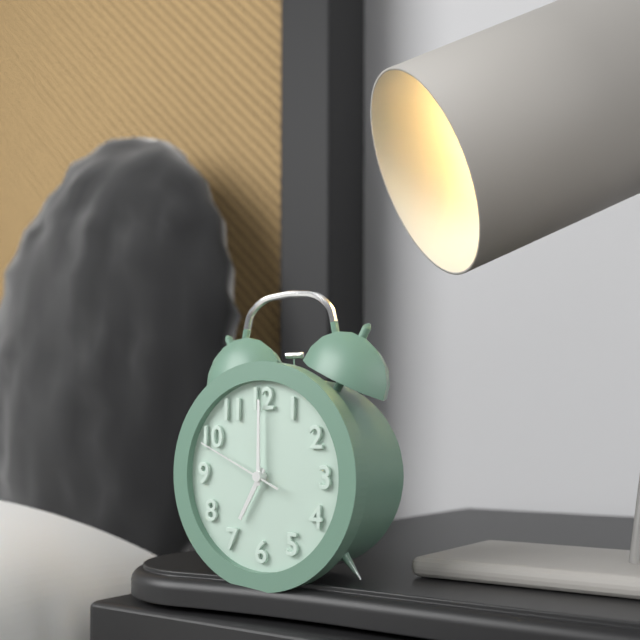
7:00:49
